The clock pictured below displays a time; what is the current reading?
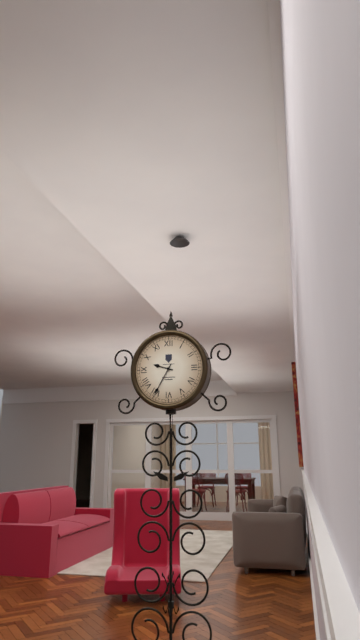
9:35
